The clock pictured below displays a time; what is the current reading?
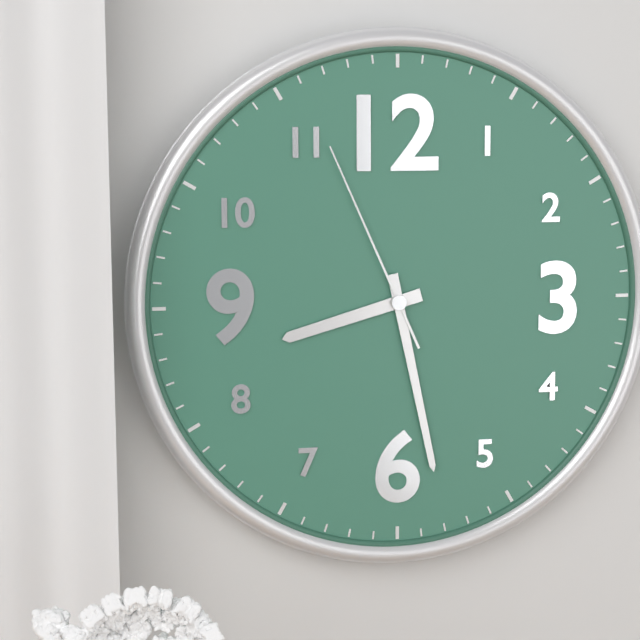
8:28:56
